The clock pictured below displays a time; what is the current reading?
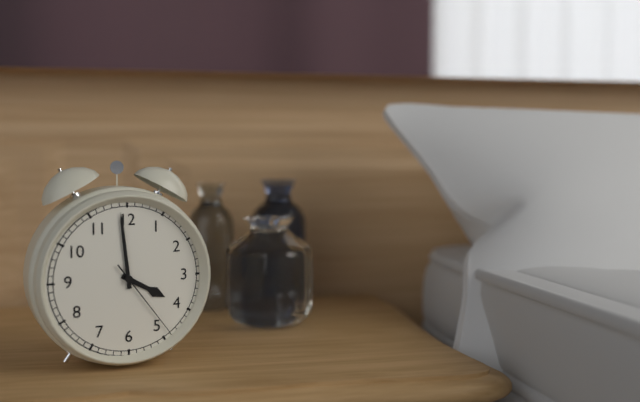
3:59:24
